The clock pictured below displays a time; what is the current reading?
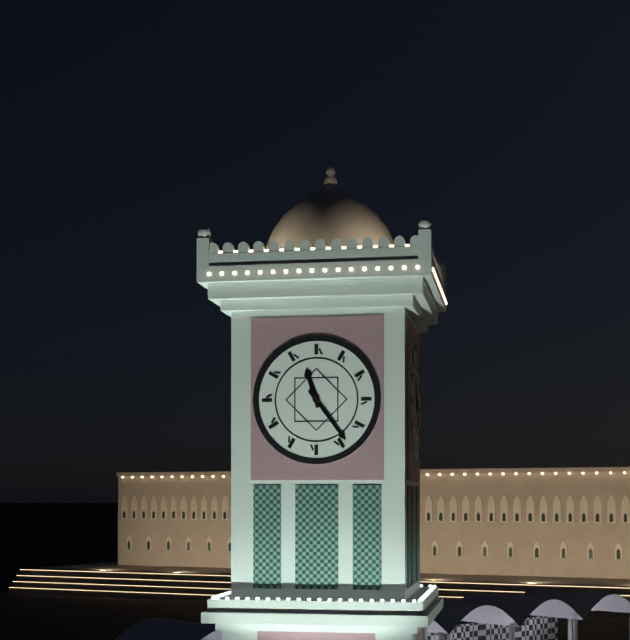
11:24
